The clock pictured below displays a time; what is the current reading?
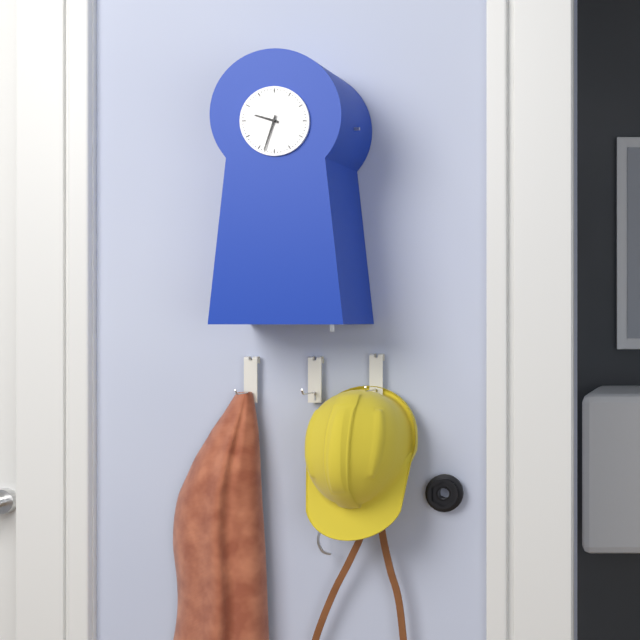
9:33
